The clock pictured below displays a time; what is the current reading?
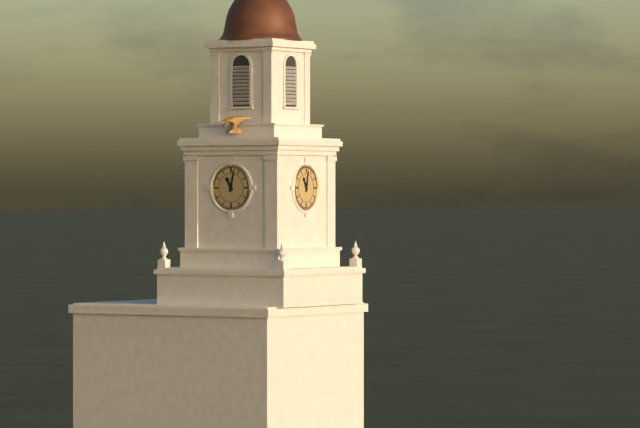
11:02
